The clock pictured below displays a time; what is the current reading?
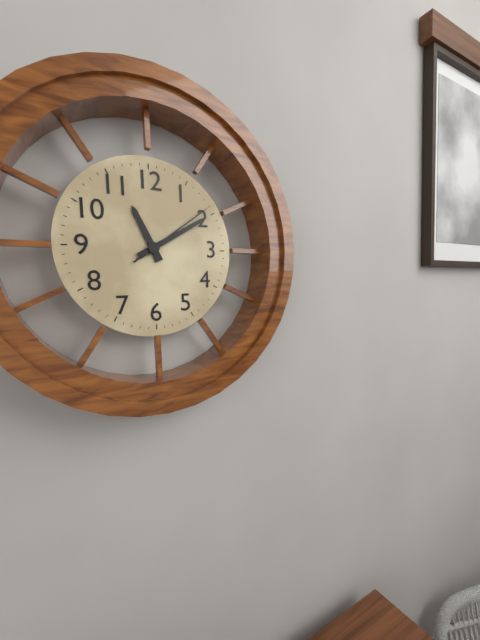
11:10:09
